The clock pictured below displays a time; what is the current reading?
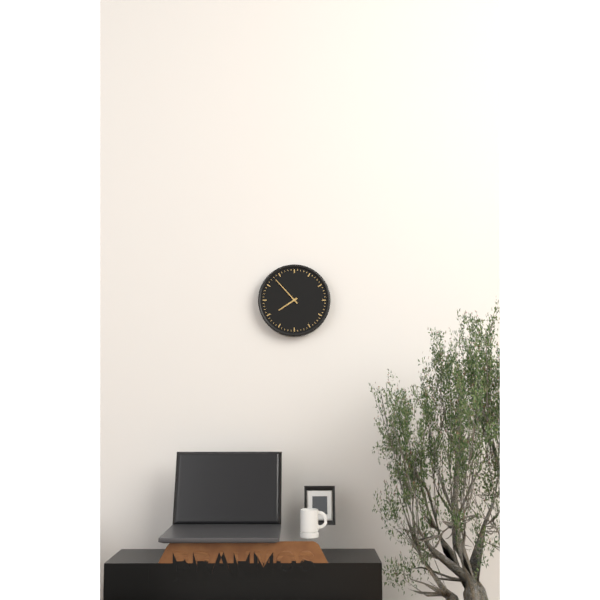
7:53
